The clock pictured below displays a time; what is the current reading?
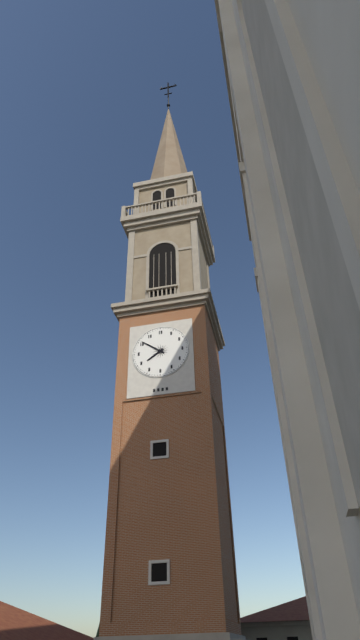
7:51
